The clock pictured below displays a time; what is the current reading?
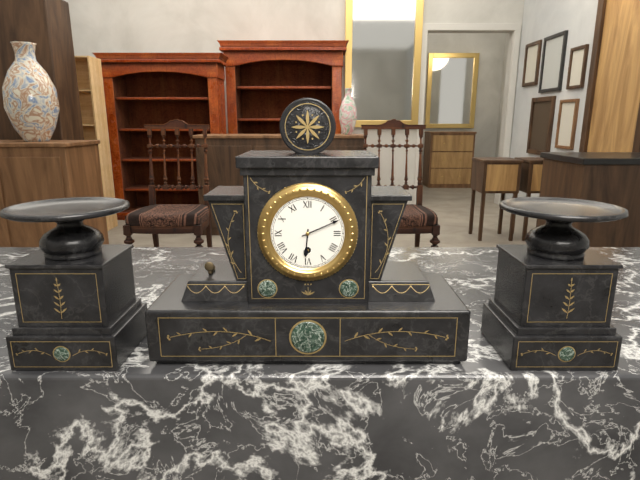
6:11
